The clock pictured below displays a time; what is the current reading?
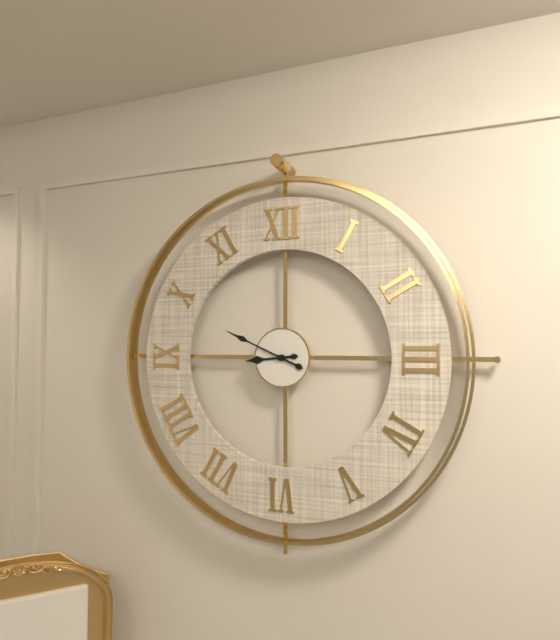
8:49
